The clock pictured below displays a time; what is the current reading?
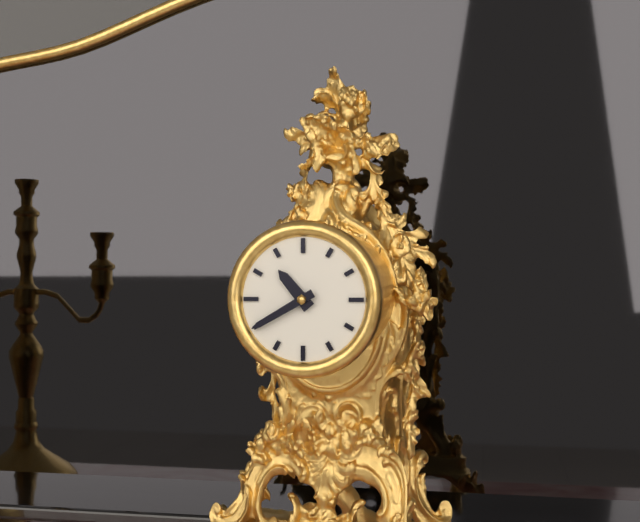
10:40
